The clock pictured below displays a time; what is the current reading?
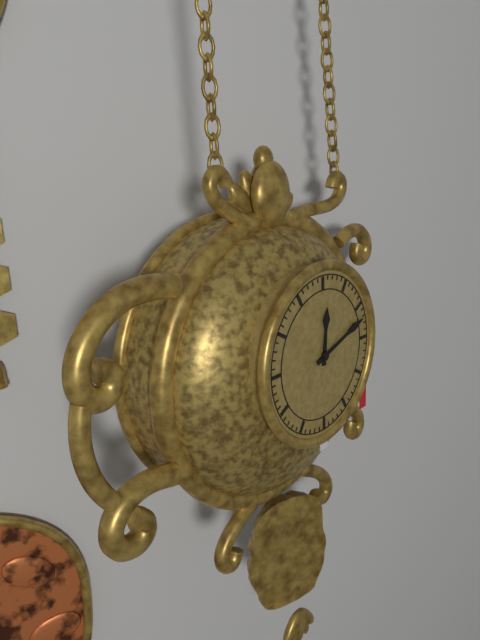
12:12
